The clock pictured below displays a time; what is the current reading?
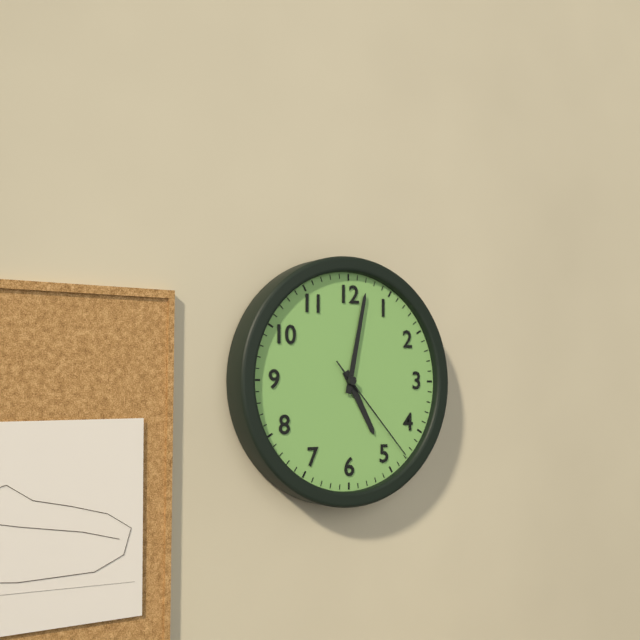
5:02:23
